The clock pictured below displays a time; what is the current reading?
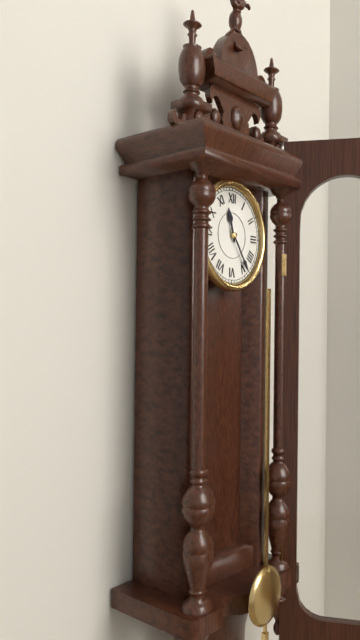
11:24
